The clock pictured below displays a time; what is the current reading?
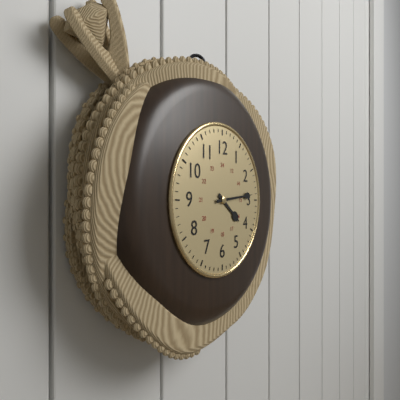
4:14
